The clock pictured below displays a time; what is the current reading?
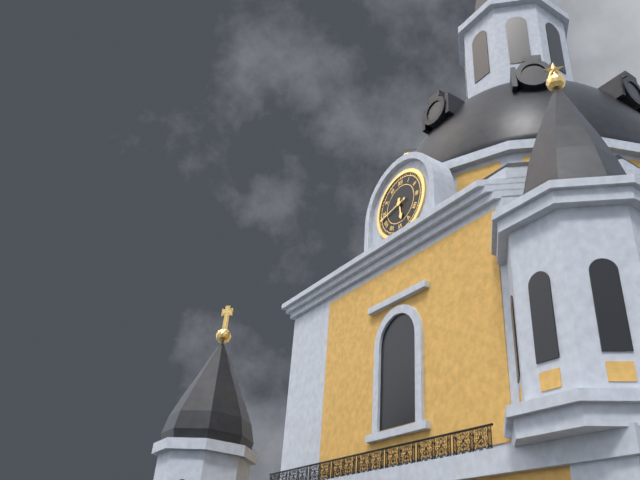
5:43
